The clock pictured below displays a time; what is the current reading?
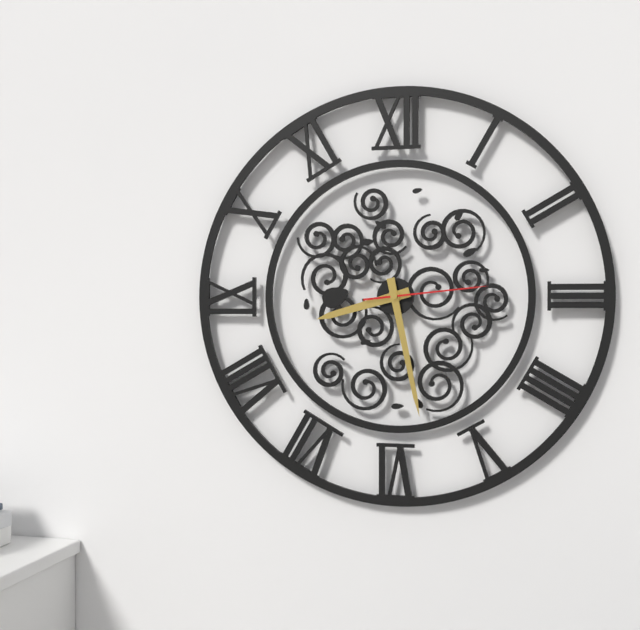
8:28:14
